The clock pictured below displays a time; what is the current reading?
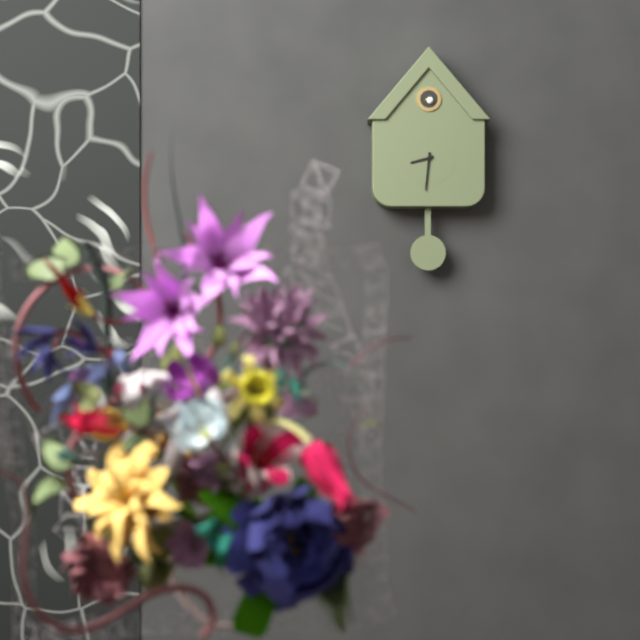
8:31
